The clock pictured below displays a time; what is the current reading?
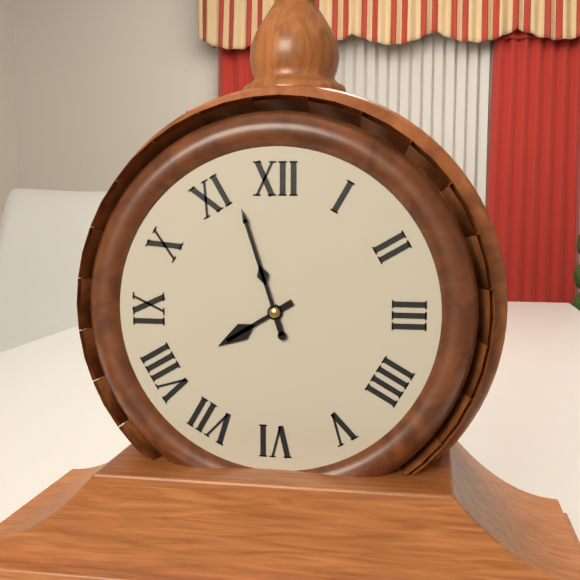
7:57
